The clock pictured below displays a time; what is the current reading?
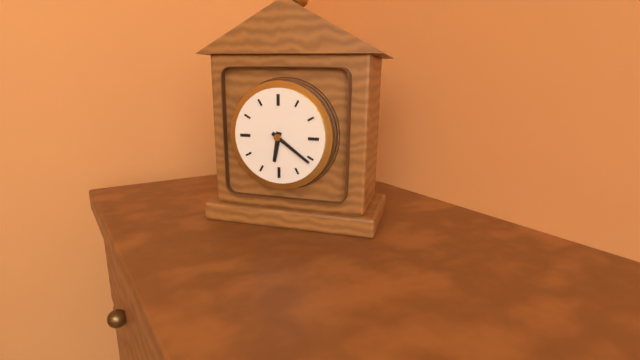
6:21
